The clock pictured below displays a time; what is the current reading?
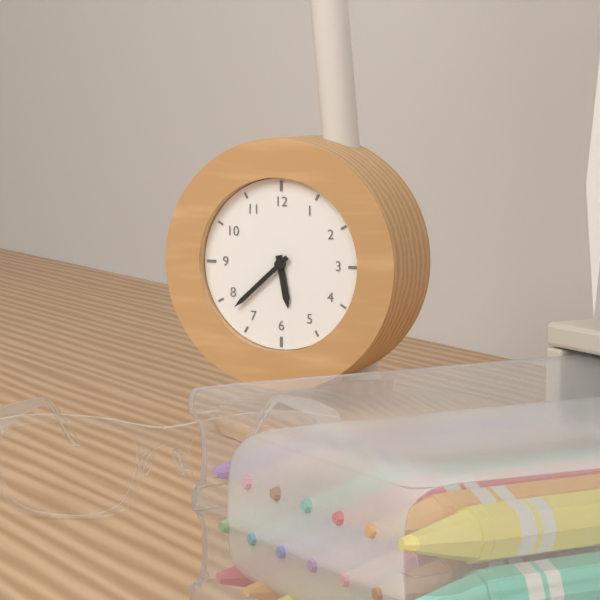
5:38
